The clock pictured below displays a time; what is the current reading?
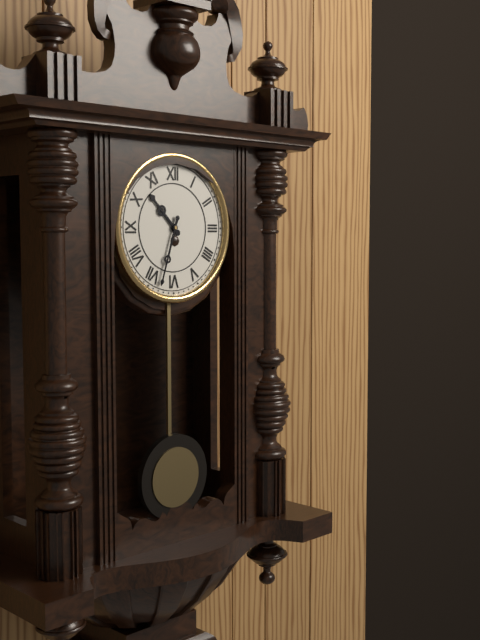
10:33
